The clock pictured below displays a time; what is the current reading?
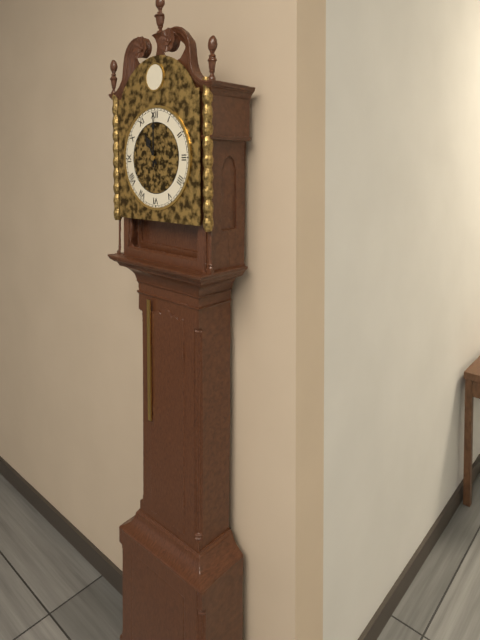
11:00
